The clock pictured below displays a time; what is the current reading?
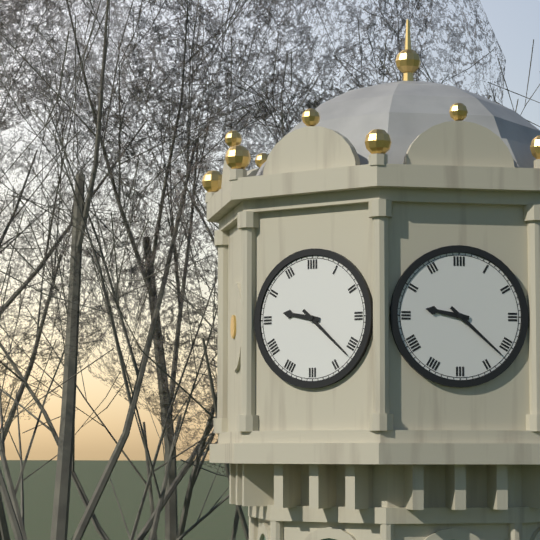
9:22
